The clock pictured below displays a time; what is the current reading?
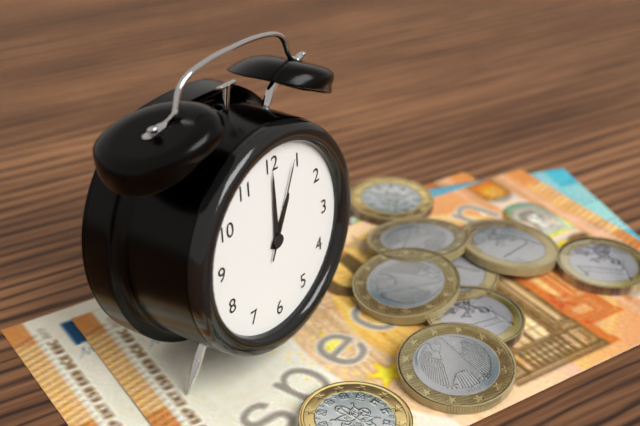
1:00:04
